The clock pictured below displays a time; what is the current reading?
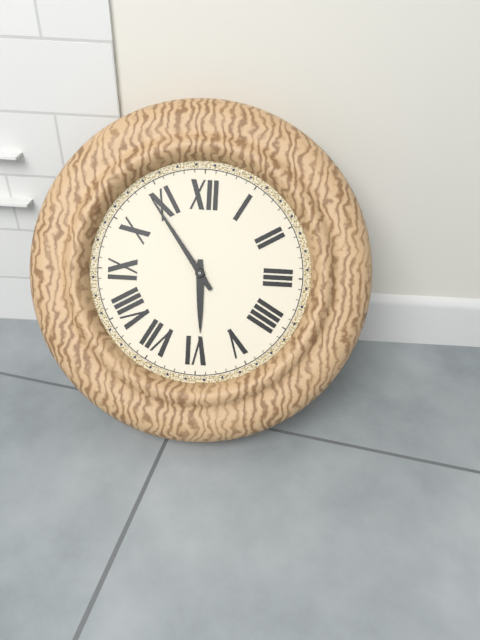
5:54
